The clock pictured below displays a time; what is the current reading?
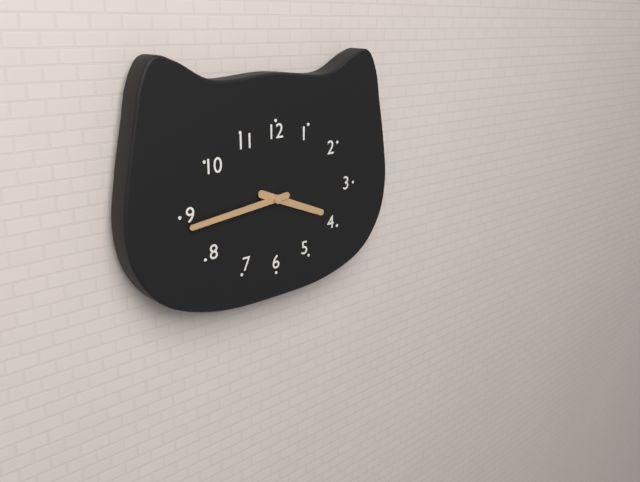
3:44
